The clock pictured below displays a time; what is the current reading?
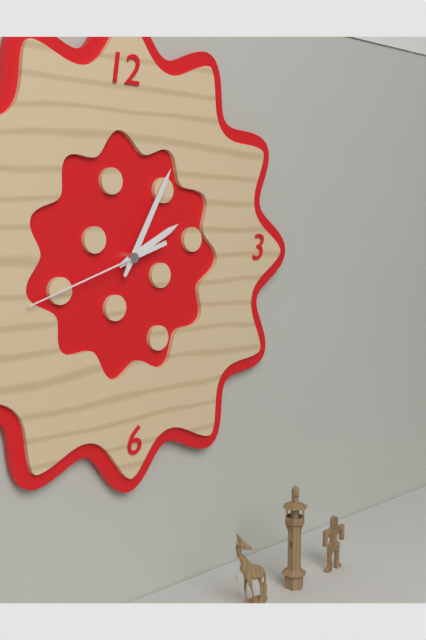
2:05:42
